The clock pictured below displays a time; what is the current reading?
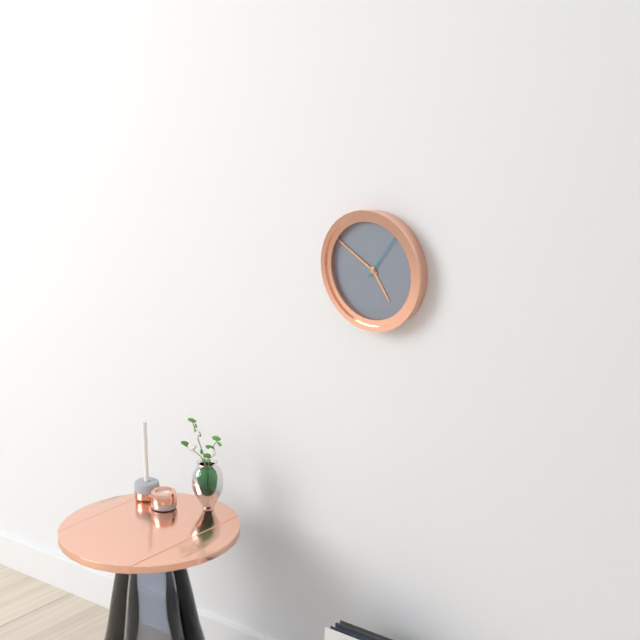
4:50:06
